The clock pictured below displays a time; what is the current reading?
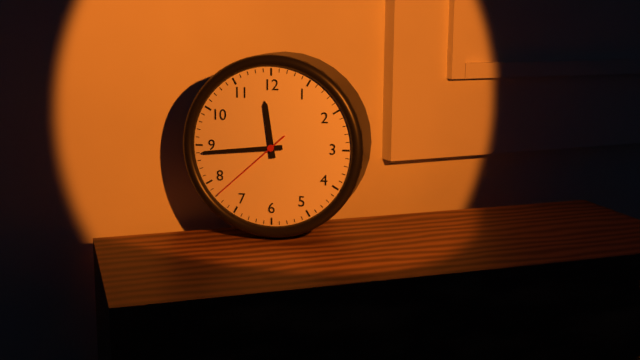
11:44:38
